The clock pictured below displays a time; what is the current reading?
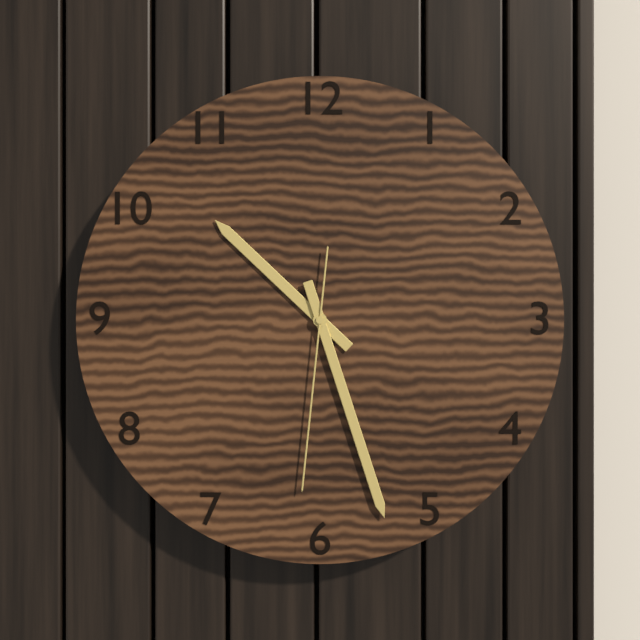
10:27:31
